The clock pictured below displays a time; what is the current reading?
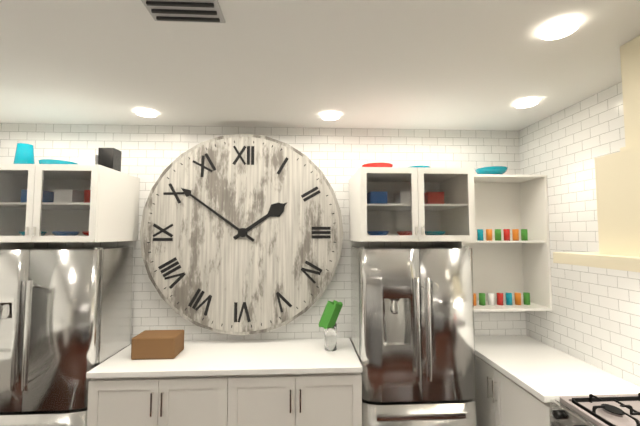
1:51
